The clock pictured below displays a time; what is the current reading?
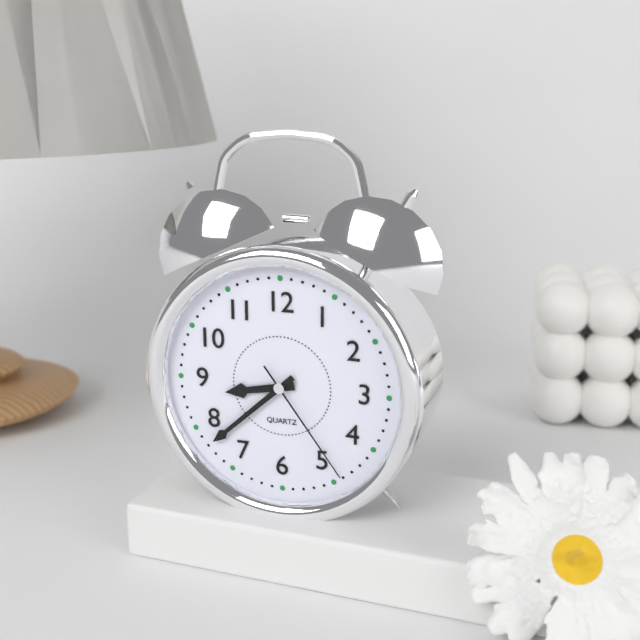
8:38:24
